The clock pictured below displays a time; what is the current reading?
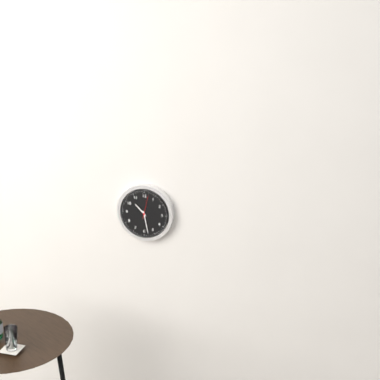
10:28
